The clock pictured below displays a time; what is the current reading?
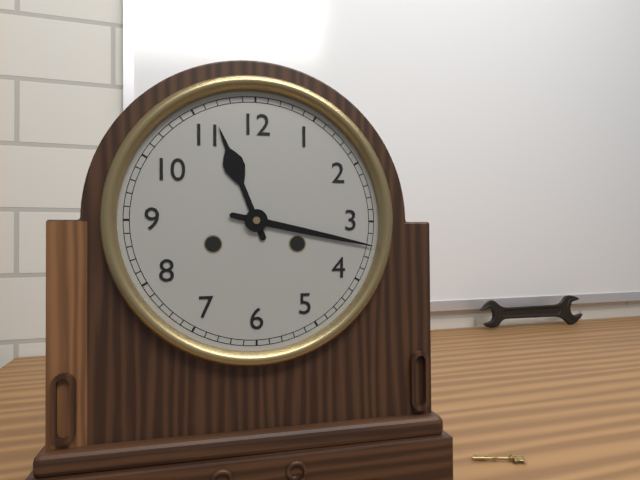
11:17
